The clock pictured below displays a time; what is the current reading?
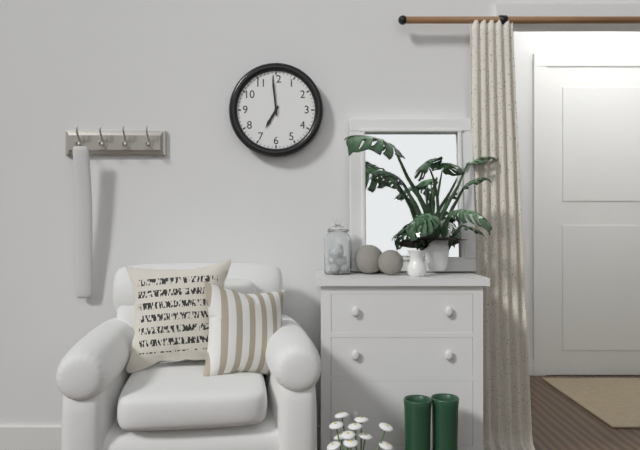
6:59
